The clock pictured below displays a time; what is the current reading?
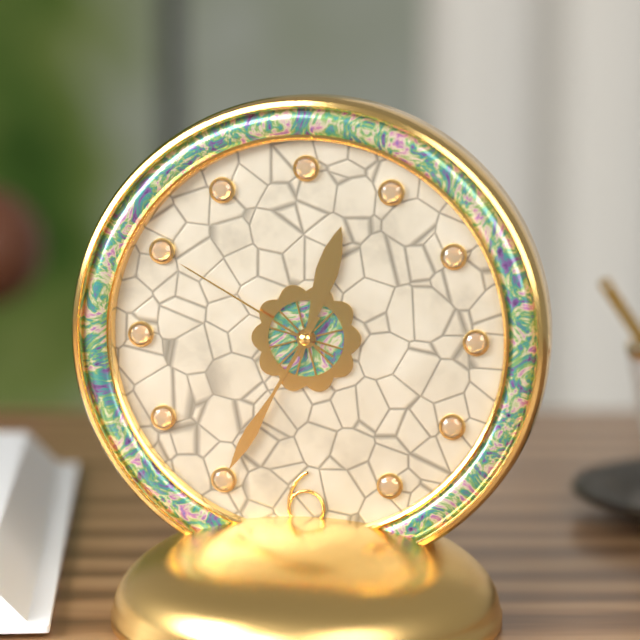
12:35:50
